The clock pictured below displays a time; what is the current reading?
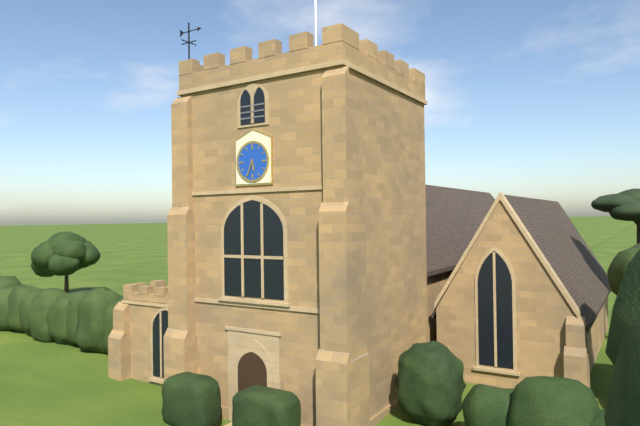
5:34
